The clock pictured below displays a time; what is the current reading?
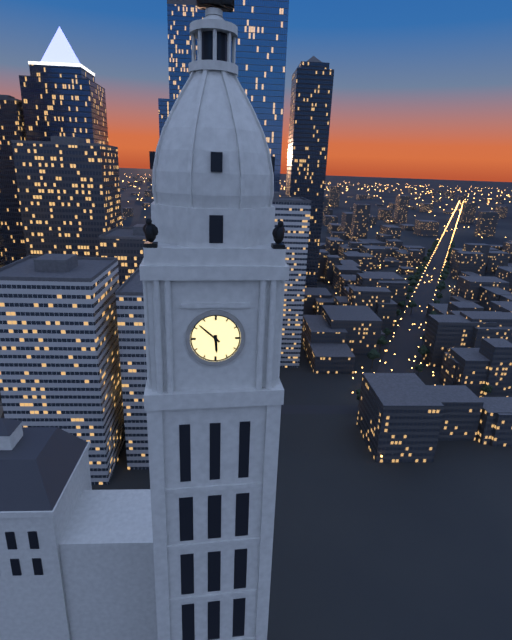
5:52
